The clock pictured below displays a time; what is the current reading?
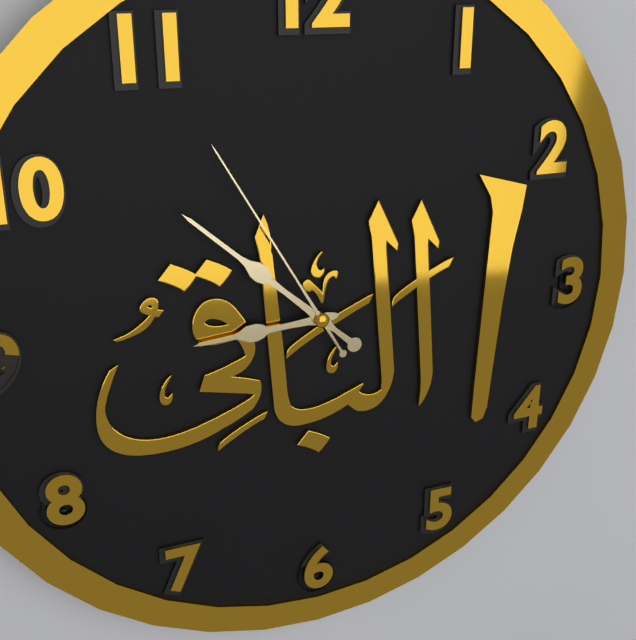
8:52:55
